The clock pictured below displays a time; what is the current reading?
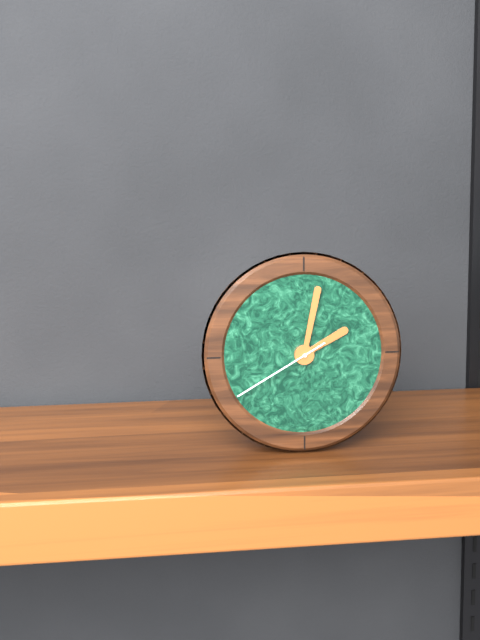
2:02:40
